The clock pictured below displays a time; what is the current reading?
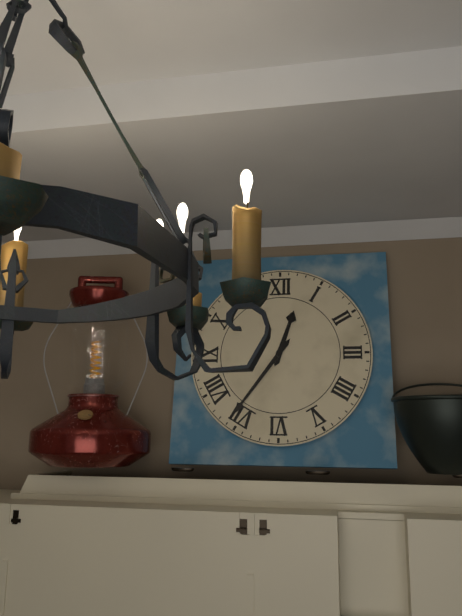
12:36
